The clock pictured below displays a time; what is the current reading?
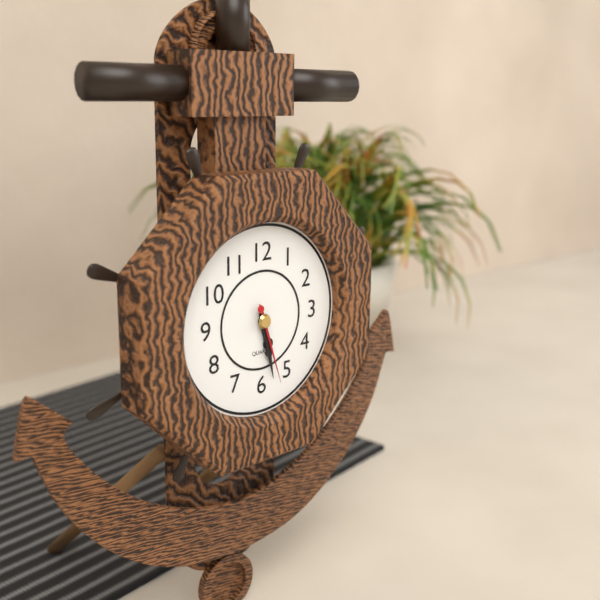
5:28:27
